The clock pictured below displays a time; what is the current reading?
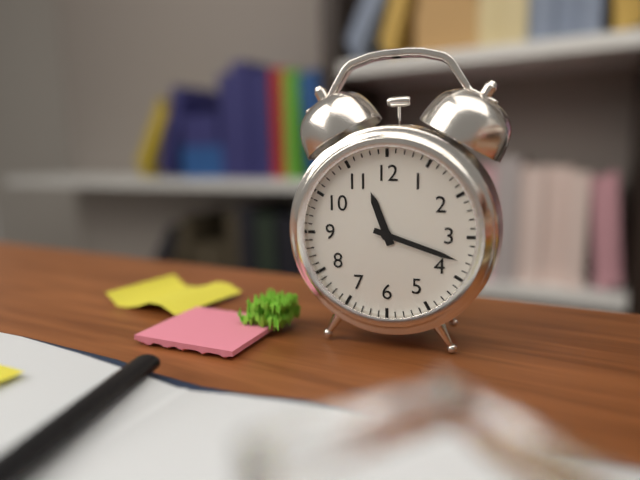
11:18
